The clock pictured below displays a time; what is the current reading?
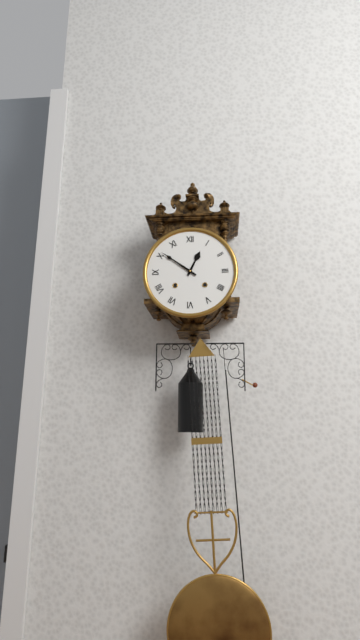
12:51
